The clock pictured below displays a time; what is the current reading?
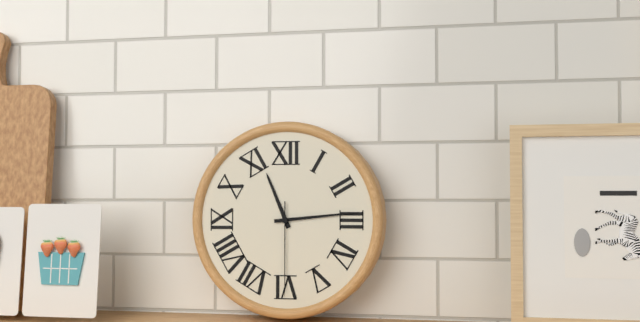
11:14:30
